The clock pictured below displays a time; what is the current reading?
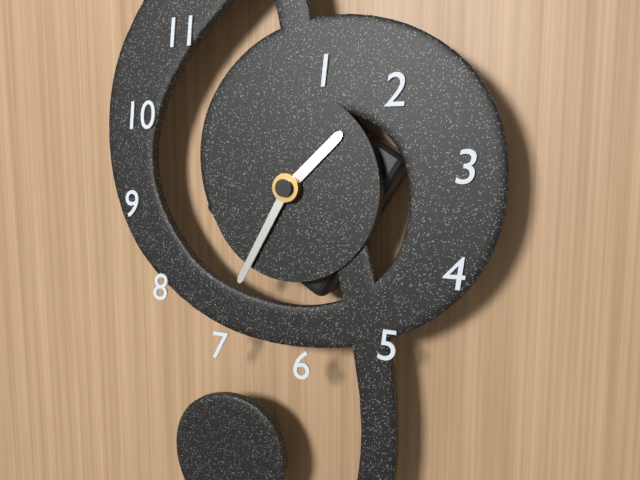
1:35
